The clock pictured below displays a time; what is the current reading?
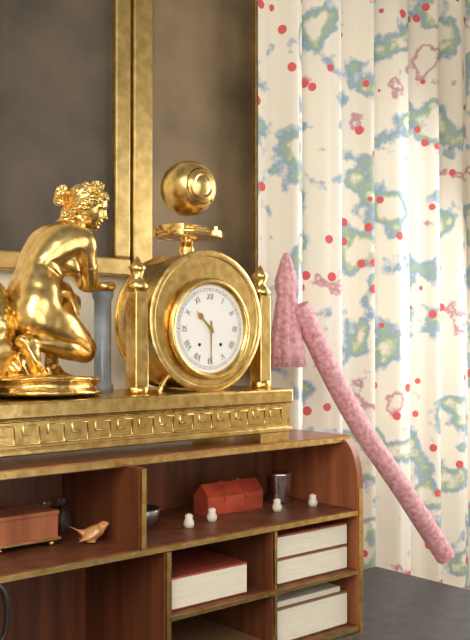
10:30
